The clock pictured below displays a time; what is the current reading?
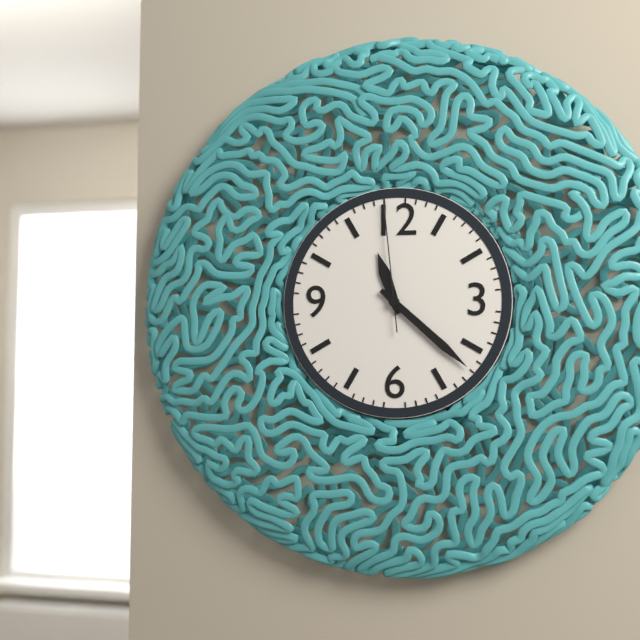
11:22:59
